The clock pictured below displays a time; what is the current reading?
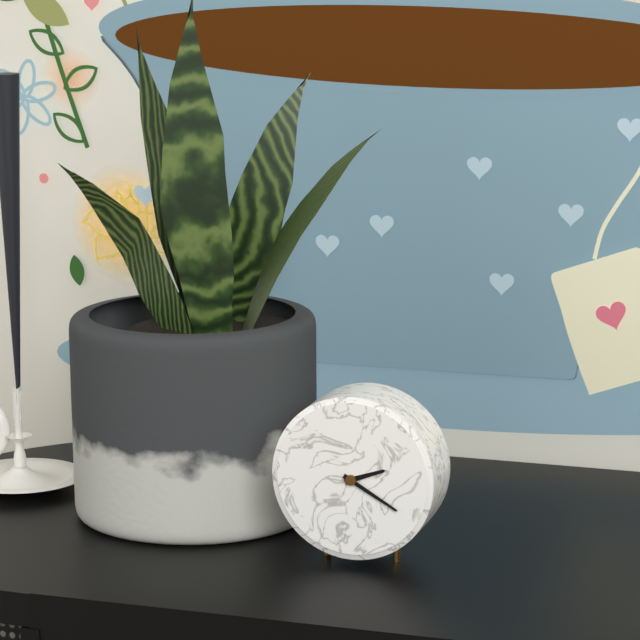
2:20
